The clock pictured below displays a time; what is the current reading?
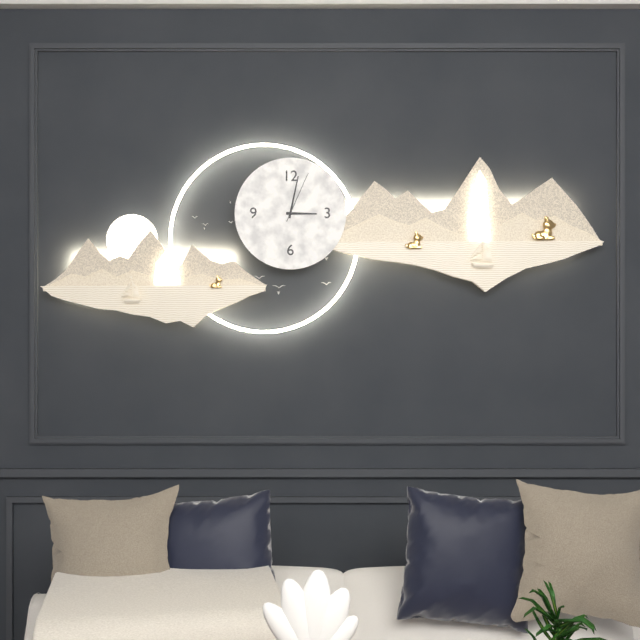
3:02:04
